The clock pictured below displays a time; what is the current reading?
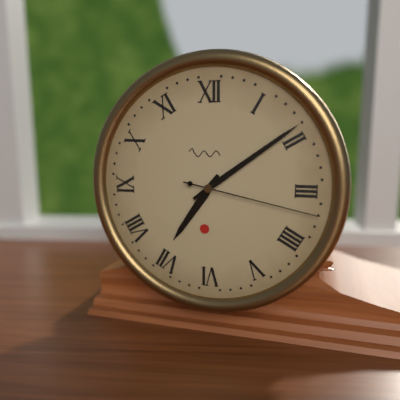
7:09:17
